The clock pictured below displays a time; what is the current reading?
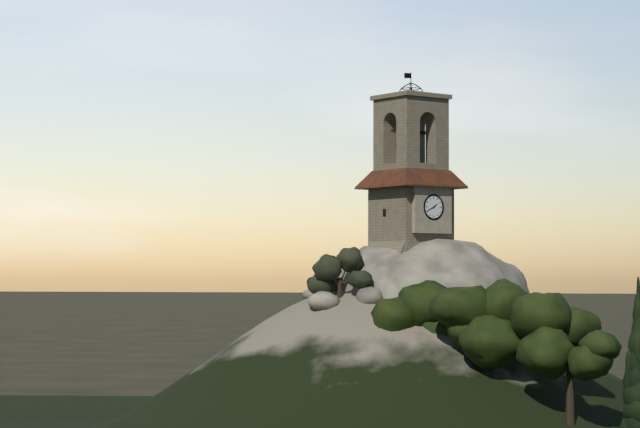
1:41
